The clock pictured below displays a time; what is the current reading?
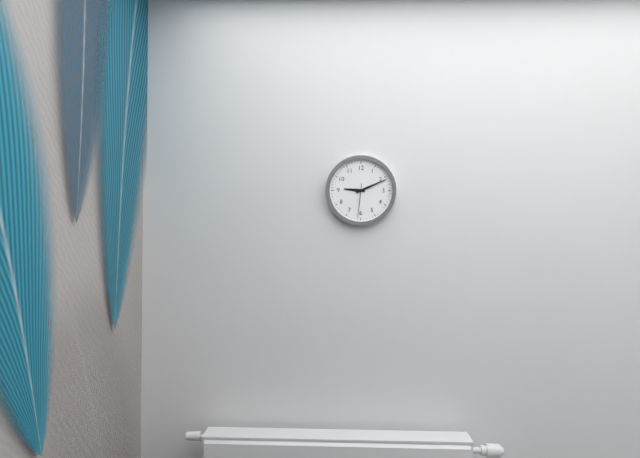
9:11
